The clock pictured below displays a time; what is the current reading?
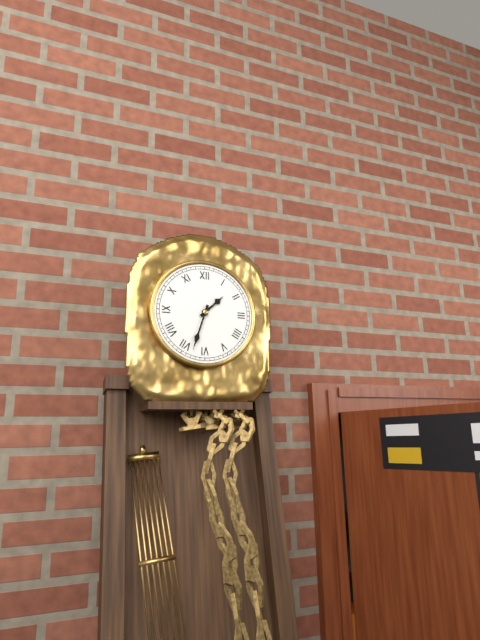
1:33
